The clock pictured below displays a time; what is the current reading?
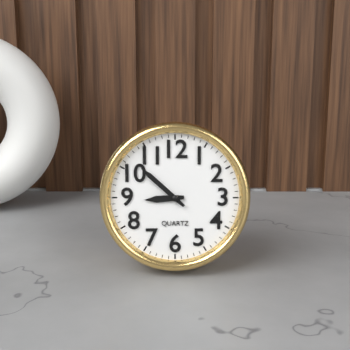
8:52
